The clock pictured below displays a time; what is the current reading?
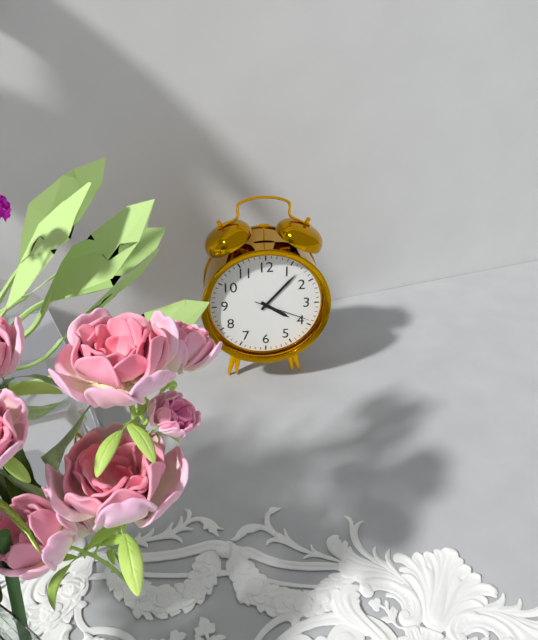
4:07:19
